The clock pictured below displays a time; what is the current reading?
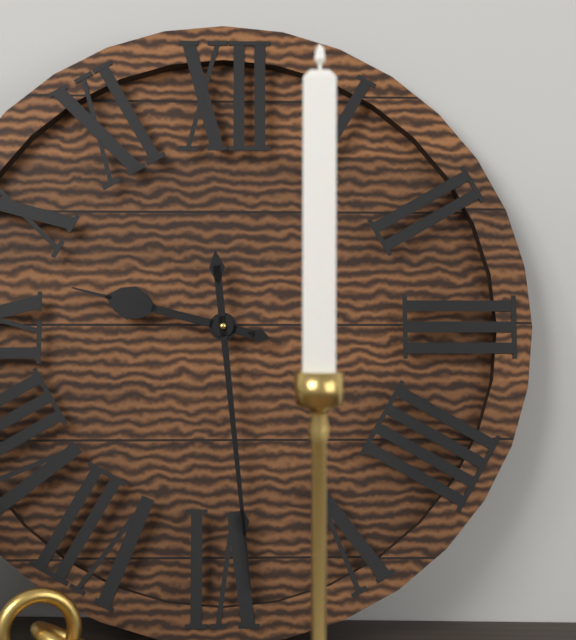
9:29
